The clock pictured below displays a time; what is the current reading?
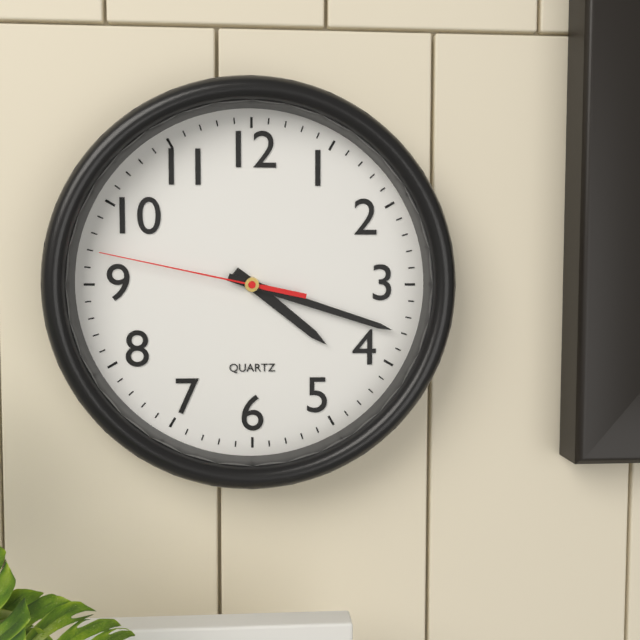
4:18:47
